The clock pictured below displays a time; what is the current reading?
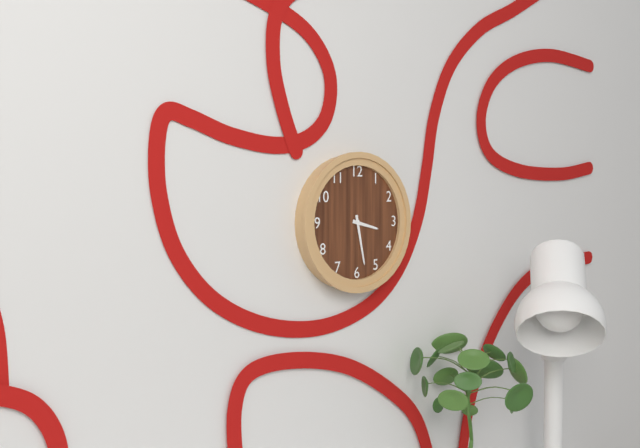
3:28
